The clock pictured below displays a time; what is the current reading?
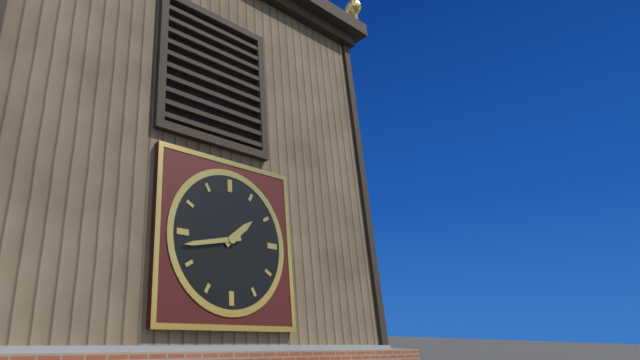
1:43
